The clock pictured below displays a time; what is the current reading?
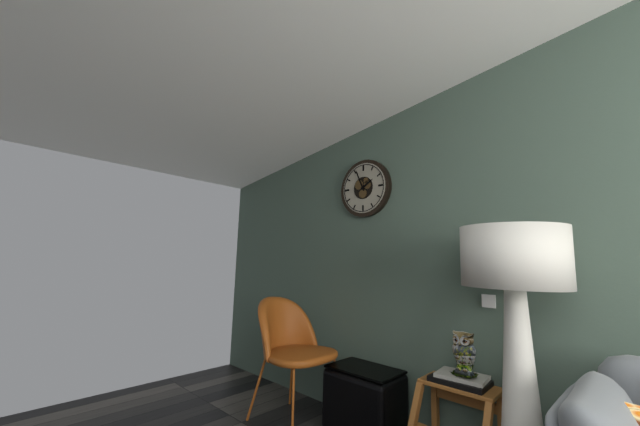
1:56
